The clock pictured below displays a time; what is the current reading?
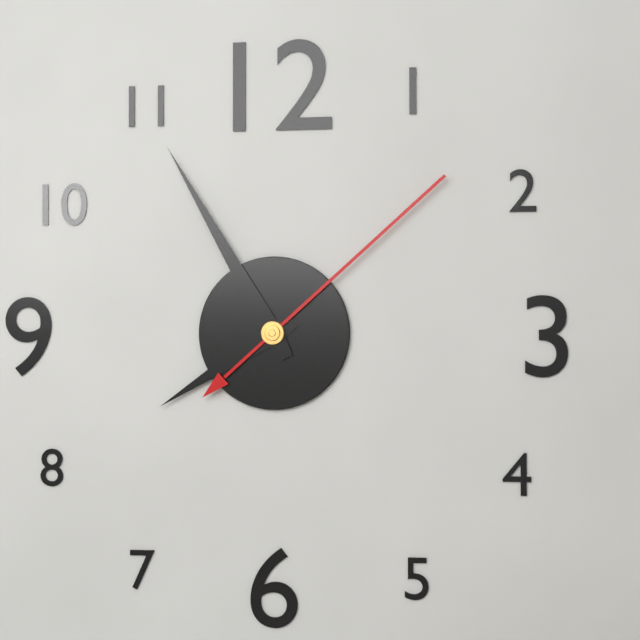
7:55:08
